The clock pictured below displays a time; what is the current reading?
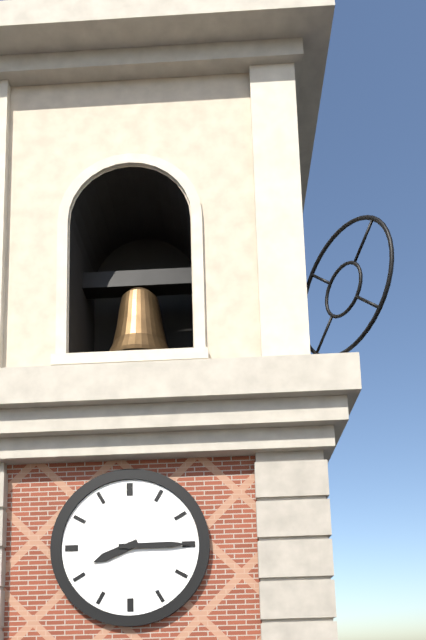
8:15
